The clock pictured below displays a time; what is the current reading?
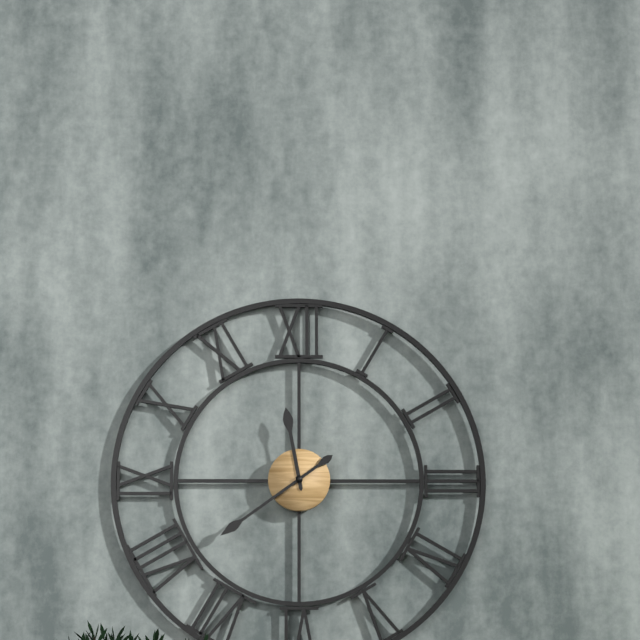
11:39
